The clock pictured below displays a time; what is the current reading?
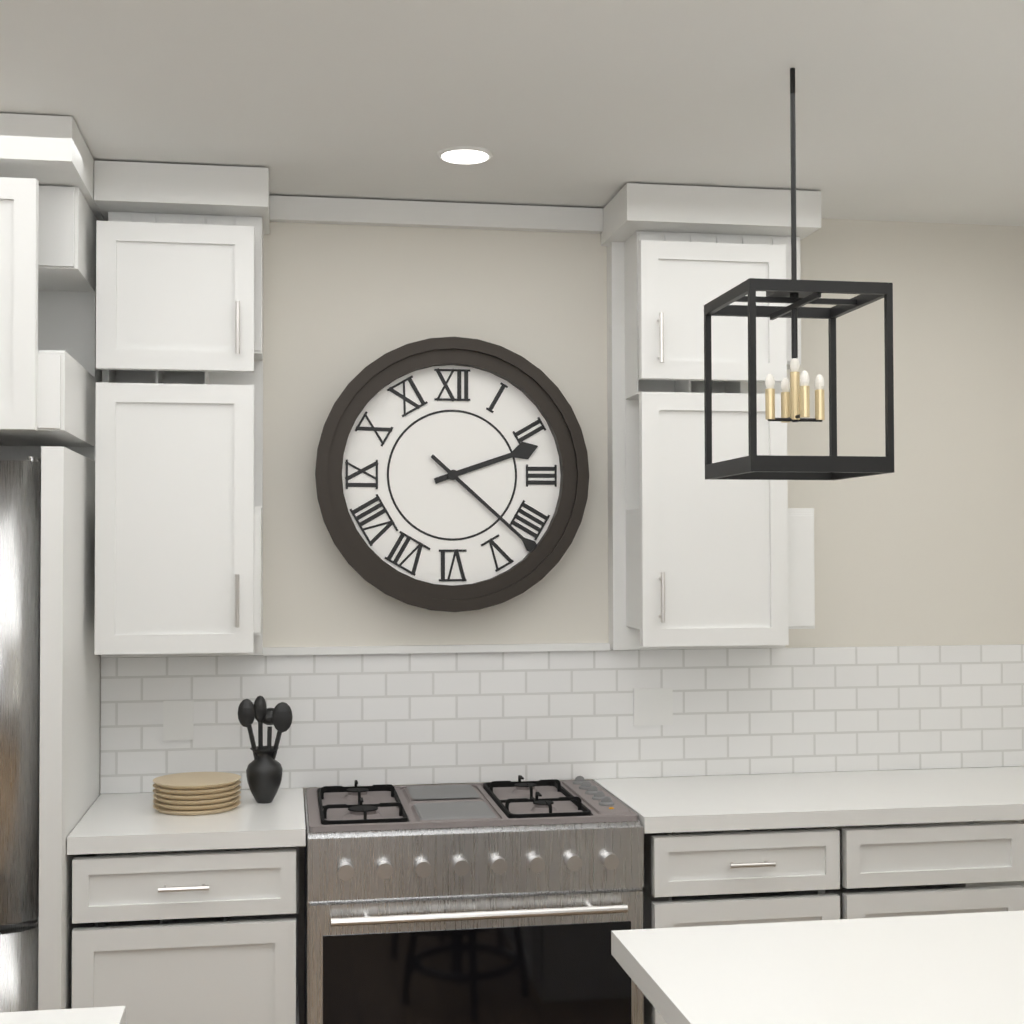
2:22
